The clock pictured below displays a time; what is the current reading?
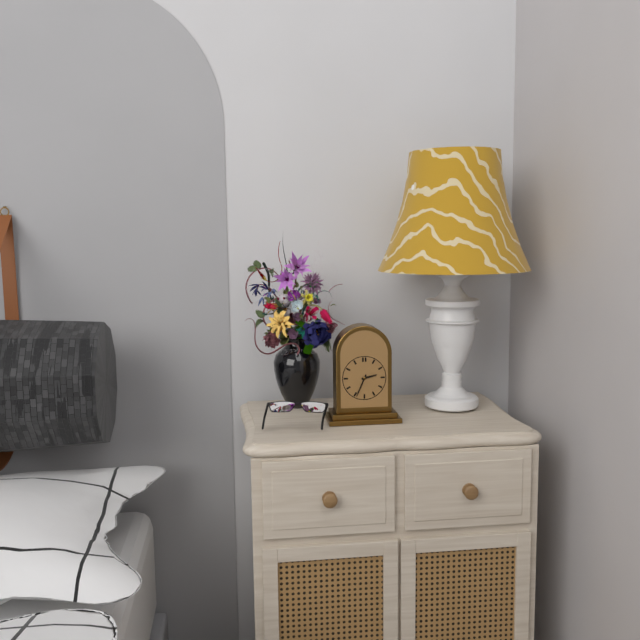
2:34
